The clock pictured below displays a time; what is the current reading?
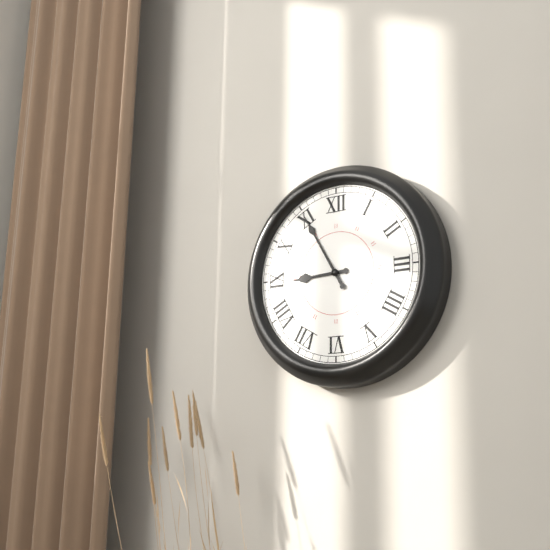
8:55
